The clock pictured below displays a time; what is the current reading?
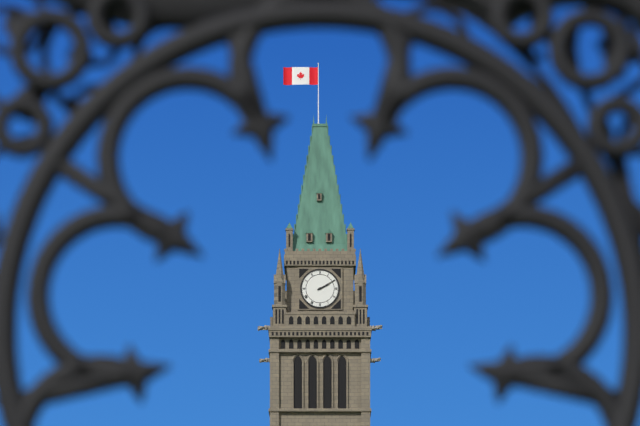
2:10
